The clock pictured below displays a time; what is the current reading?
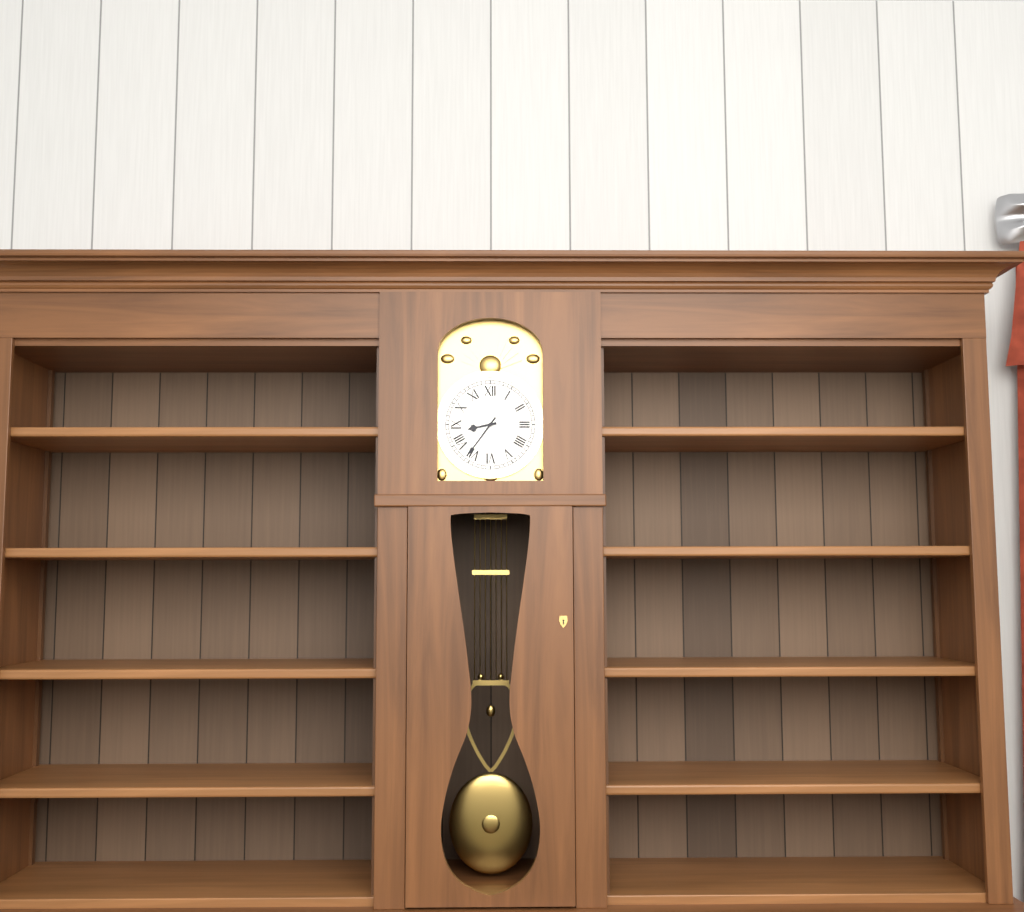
8:36
